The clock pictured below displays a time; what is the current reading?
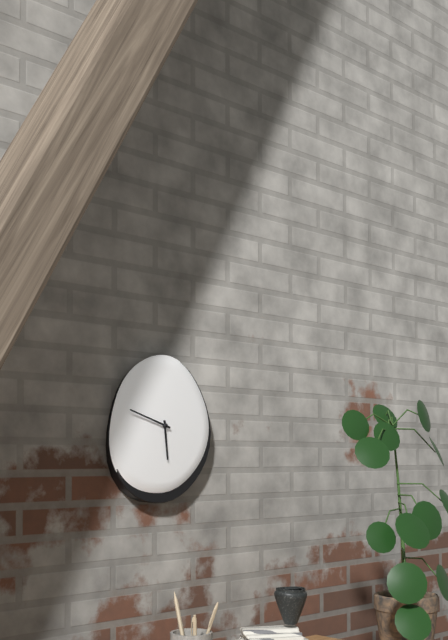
5:48
